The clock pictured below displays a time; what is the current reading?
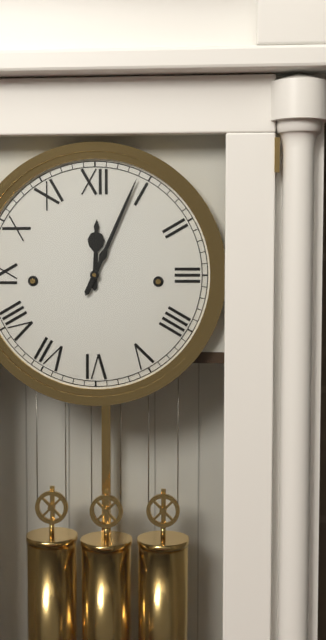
12:04
